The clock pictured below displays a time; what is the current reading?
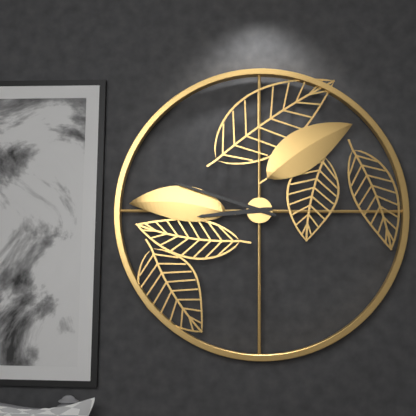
8:48
